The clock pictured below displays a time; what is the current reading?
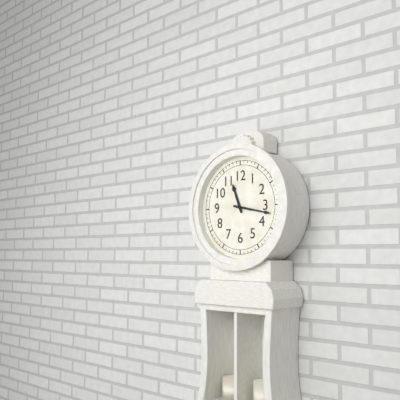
11:17
